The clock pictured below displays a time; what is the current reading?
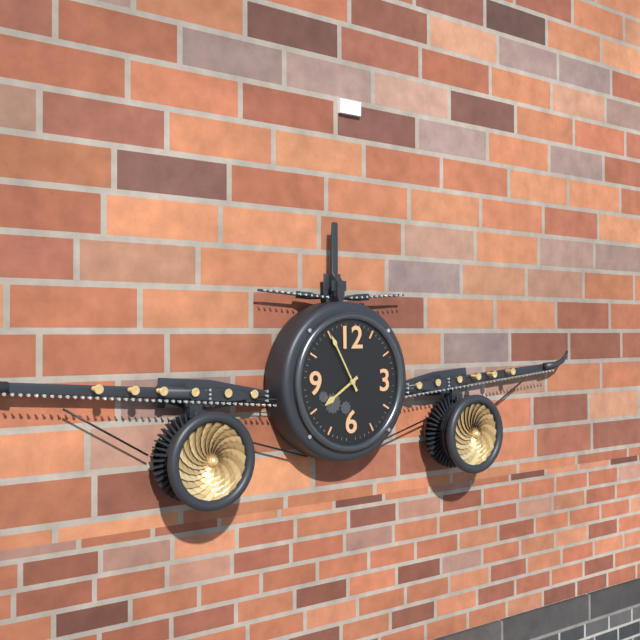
7:55
